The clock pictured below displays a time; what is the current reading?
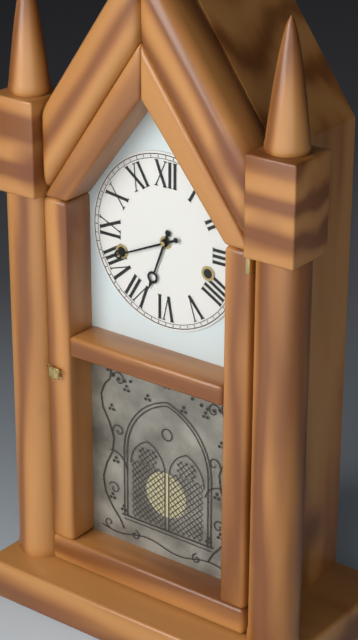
6:41
